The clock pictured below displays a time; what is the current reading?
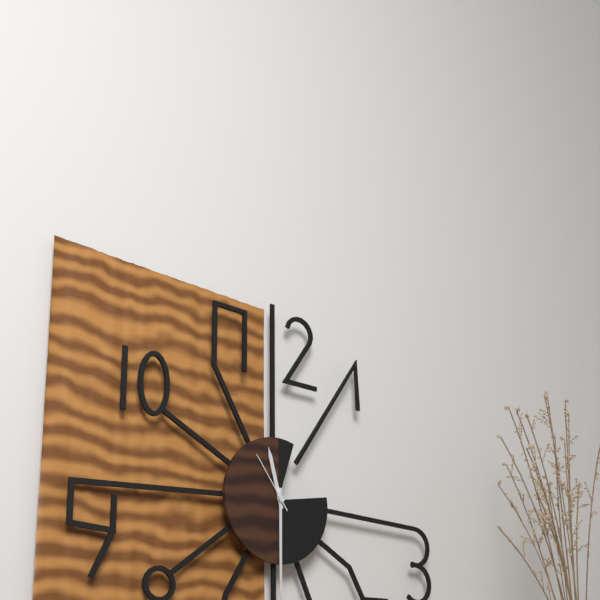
11:30:54
